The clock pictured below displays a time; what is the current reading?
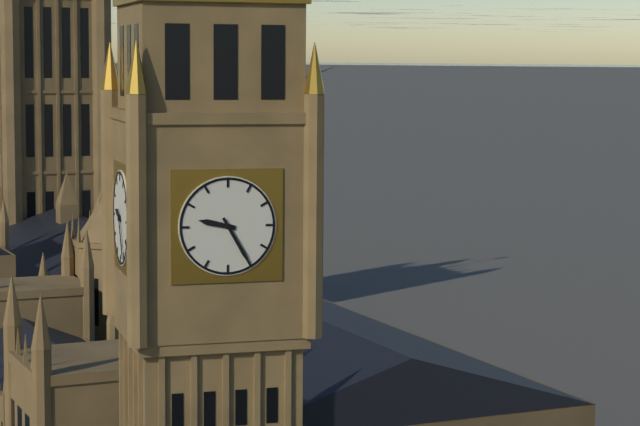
9:25
